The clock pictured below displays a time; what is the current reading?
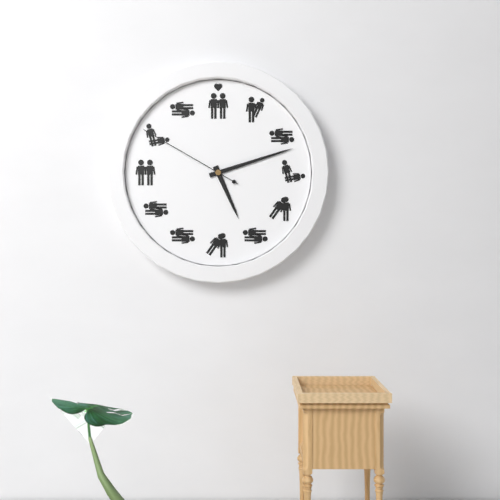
5:12:50
